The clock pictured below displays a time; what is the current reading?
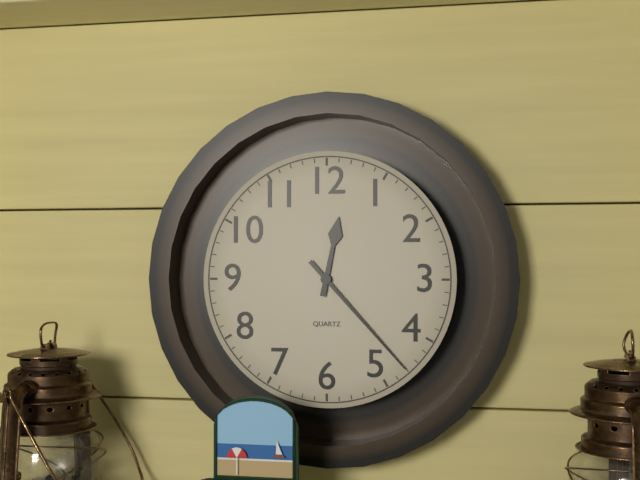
12:23
